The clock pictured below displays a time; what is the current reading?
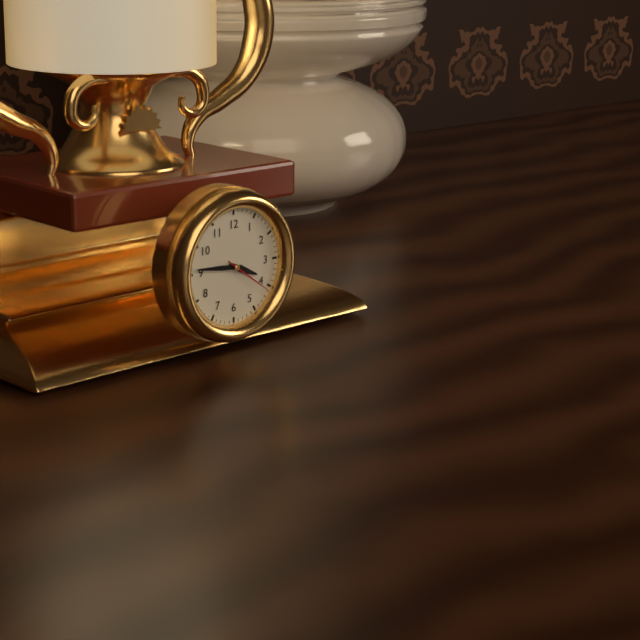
3:46:21
